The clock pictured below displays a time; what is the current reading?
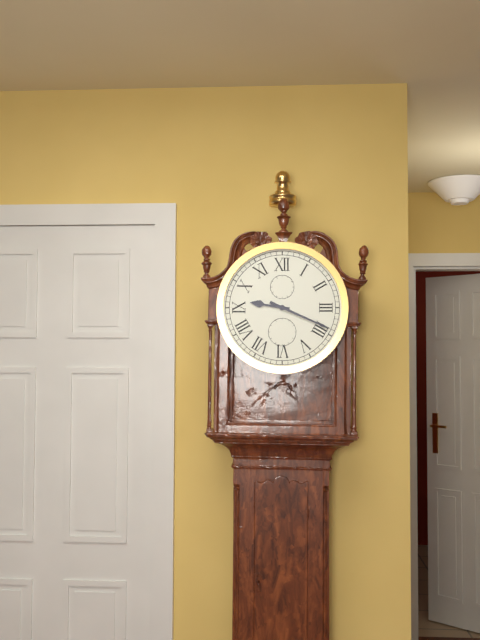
9:19
